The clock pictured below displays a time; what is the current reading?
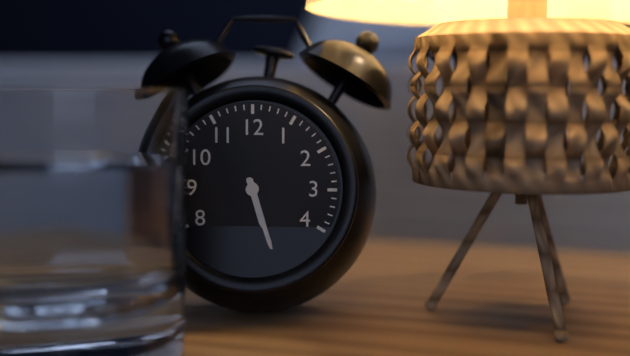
5:27
